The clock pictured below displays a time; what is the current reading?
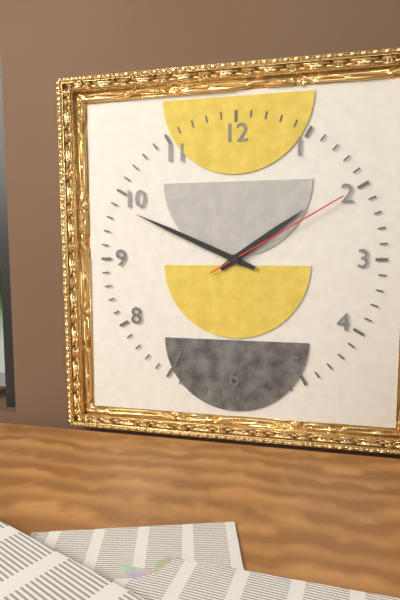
1:49:10
